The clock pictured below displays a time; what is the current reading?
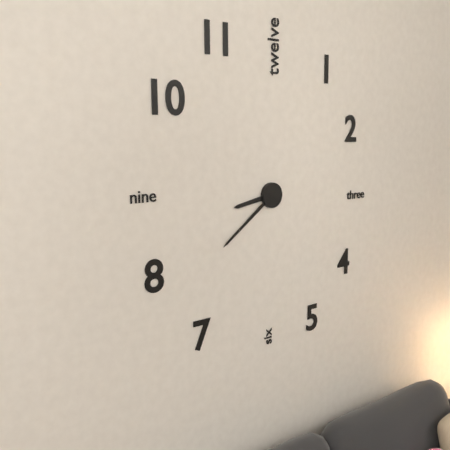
8:39
